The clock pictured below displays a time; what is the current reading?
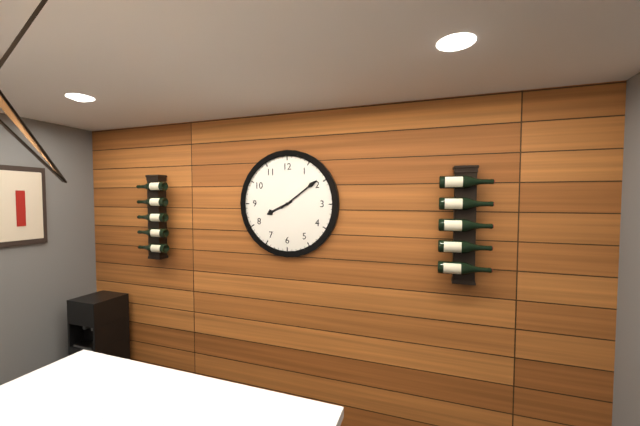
8:09
